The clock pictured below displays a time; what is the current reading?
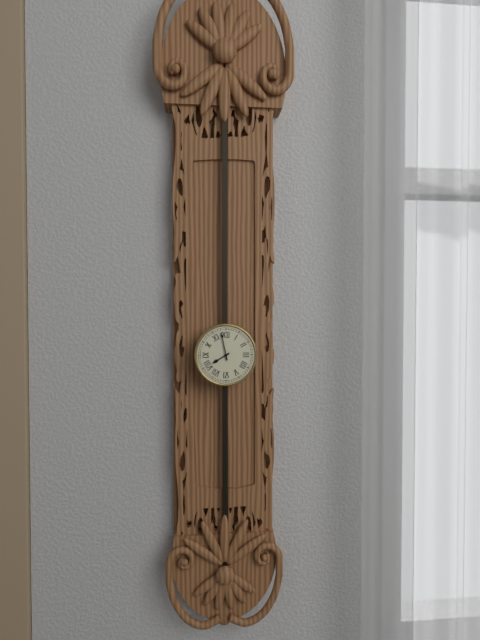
7:58
